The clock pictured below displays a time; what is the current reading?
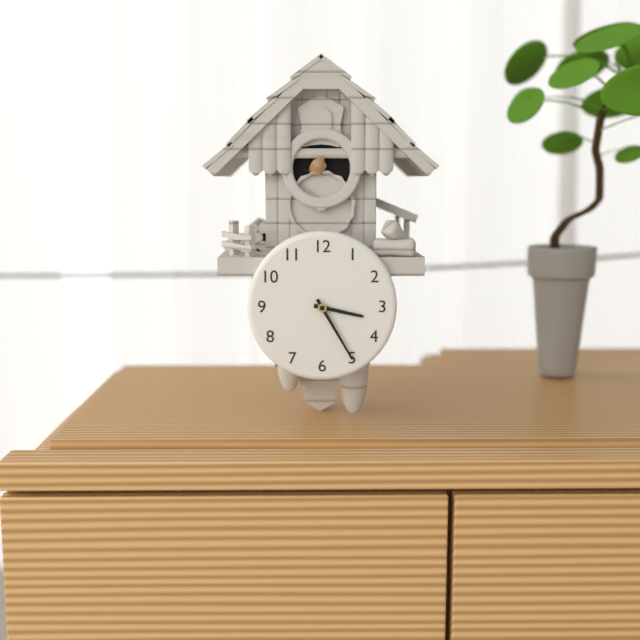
3:25
